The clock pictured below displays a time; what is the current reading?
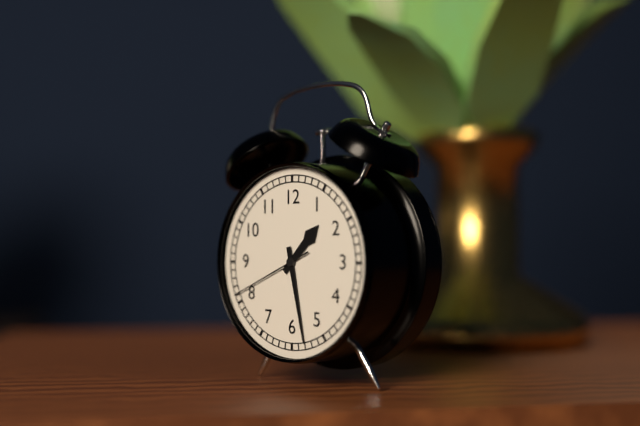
1:28:41
